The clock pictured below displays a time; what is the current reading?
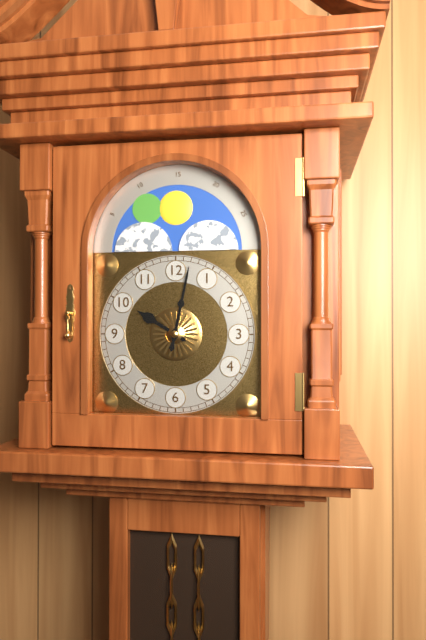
10:02
